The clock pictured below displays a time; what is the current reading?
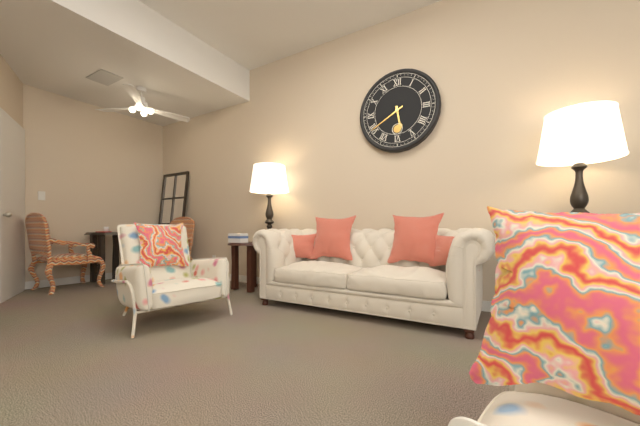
5:40
